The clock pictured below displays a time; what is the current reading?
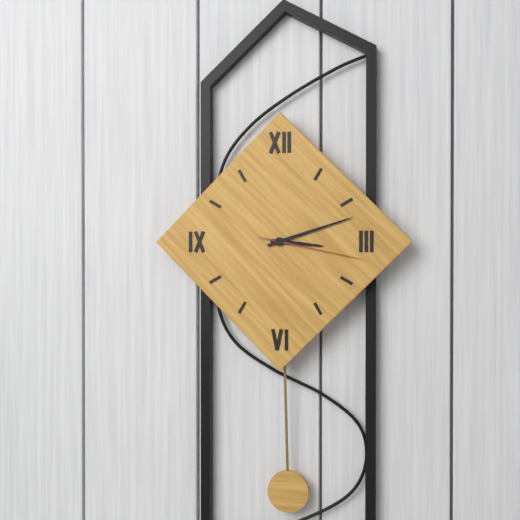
3:12:17
